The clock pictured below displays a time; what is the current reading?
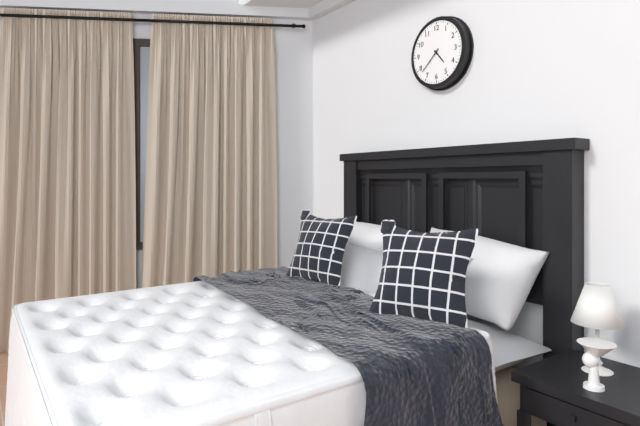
4:38
